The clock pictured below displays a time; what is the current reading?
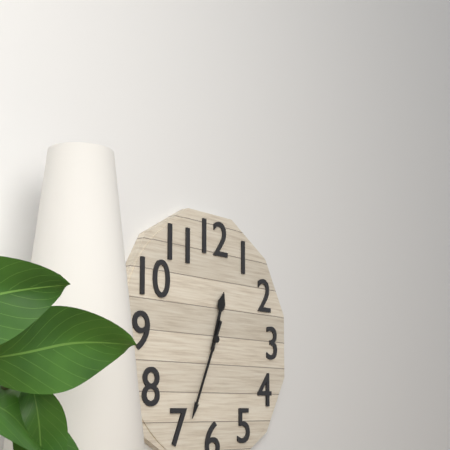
12:34
